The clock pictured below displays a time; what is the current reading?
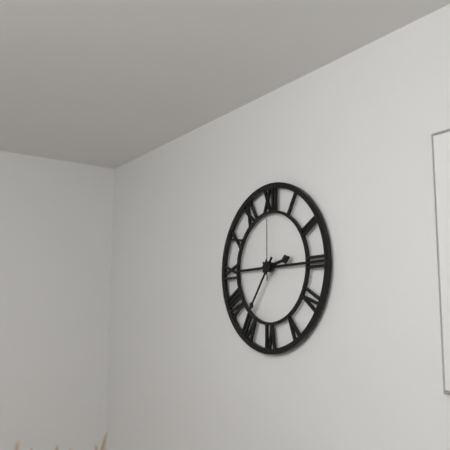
2:36:00
